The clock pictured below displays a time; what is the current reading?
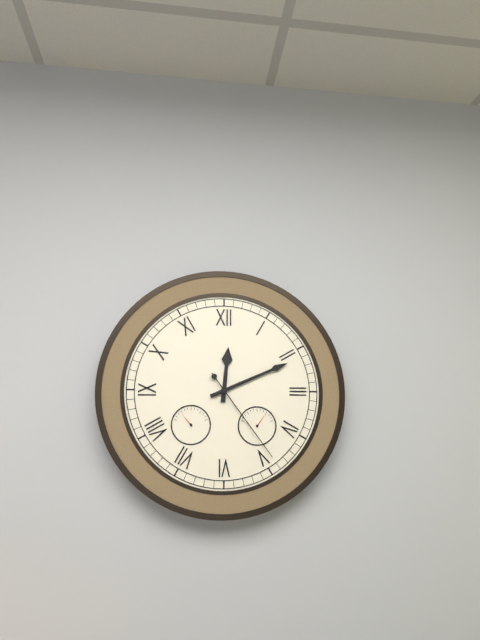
12:11:24
